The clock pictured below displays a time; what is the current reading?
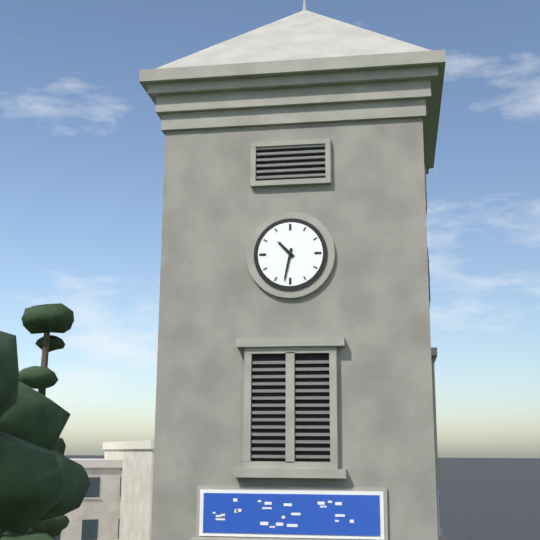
10:32
